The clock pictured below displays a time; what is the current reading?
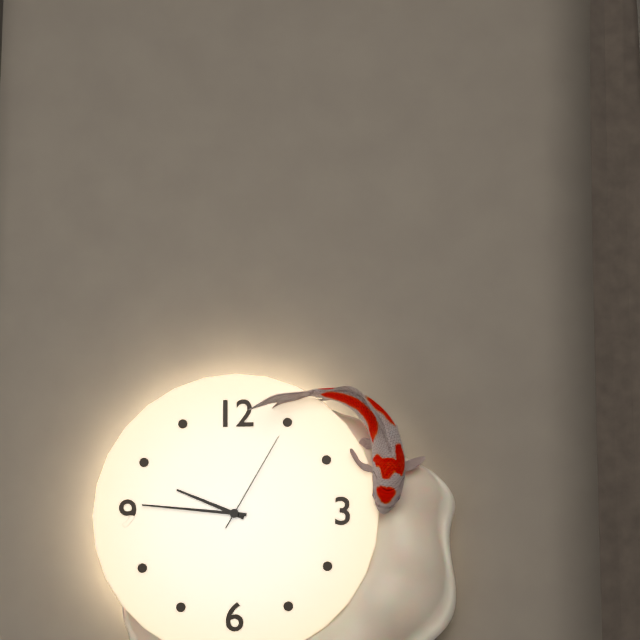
9:46:05
